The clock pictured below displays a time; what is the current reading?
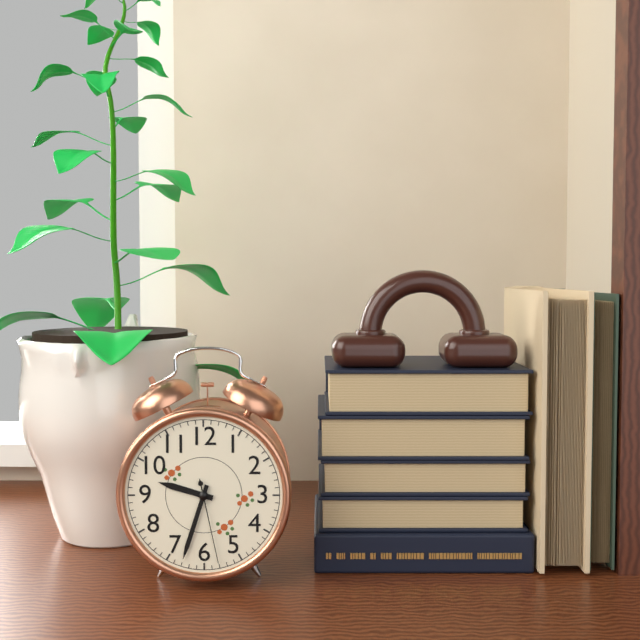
9:33:28
